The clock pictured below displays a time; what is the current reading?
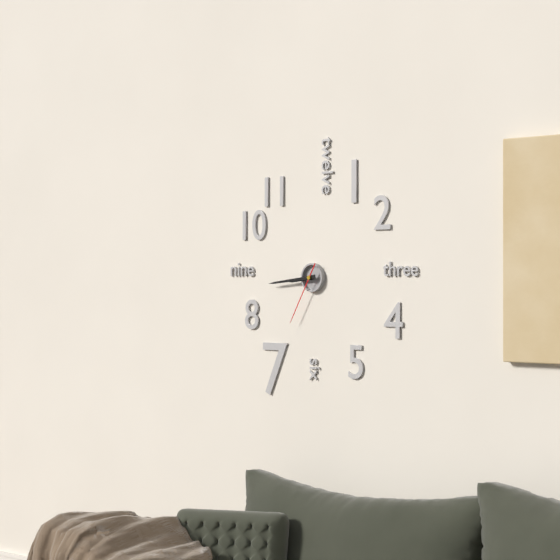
8:44:35
